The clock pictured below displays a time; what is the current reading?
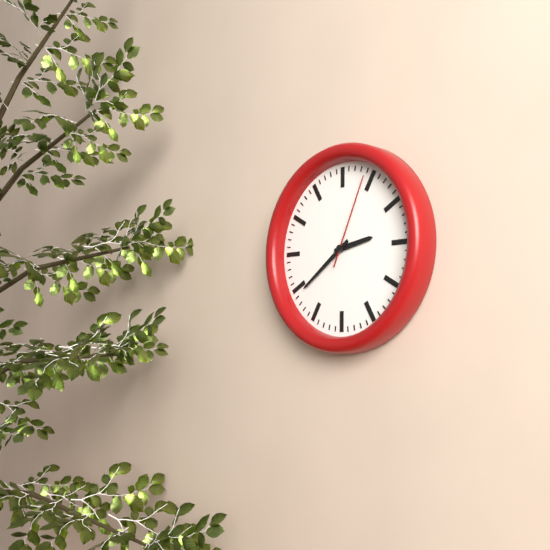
2:39:04
